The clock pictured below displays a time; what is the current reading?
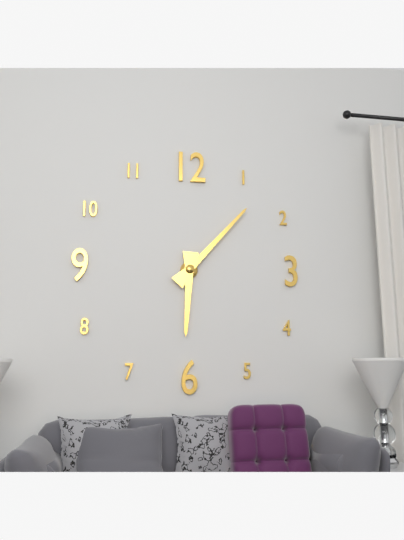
6:07
